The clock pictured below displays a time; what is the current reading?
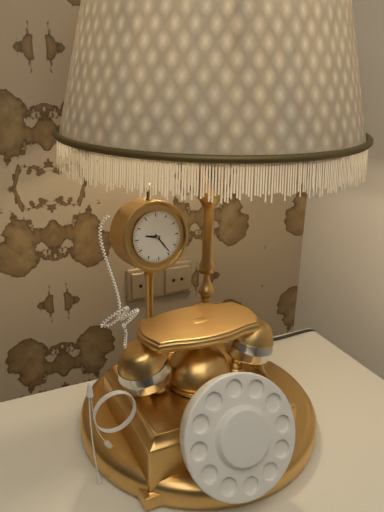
9:24
